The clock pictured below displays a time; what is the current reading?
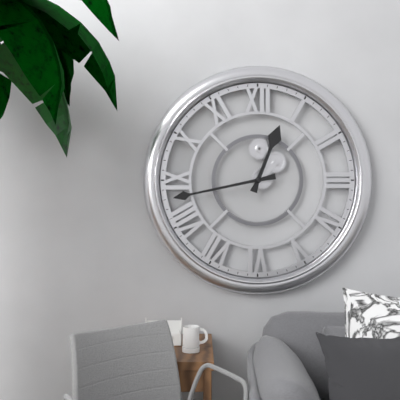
12:43
